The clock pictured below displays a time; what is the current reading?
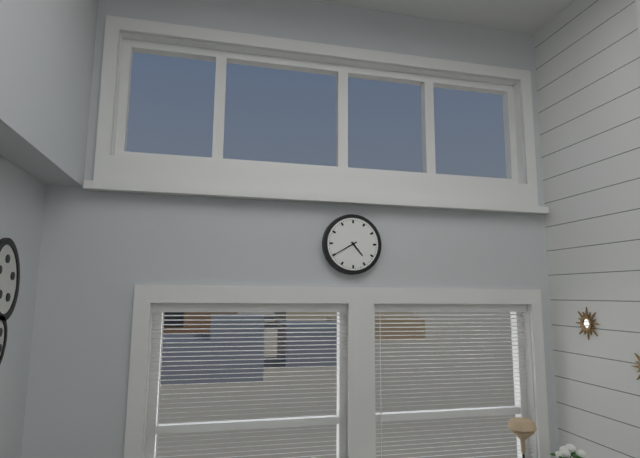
4:40
